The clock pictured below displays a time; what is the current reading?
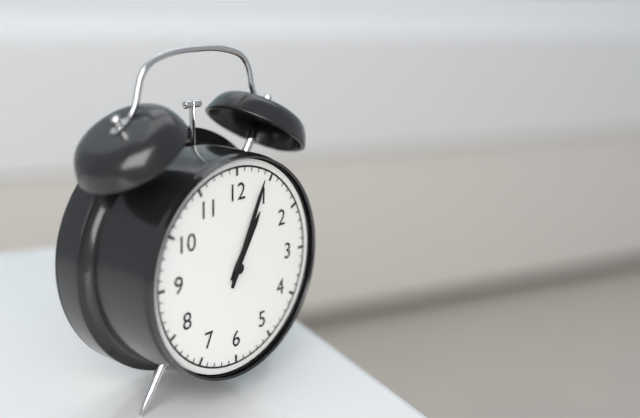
1:04
